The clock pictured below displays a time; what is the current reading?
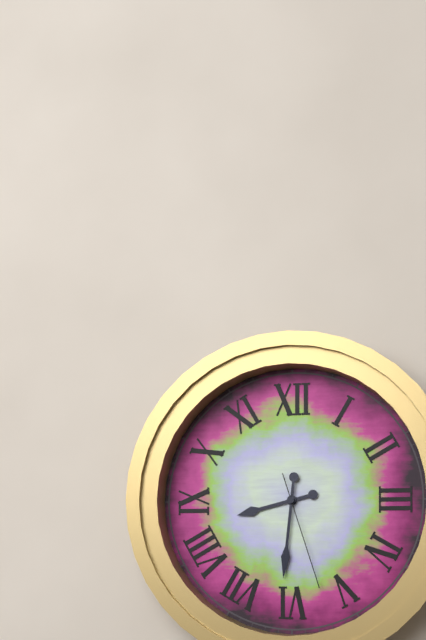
8:31:27
